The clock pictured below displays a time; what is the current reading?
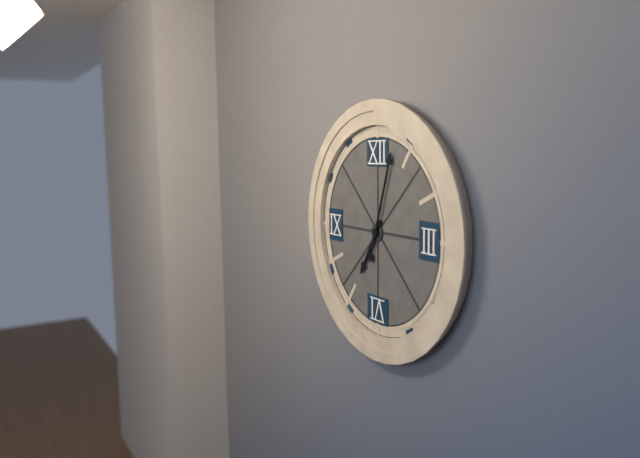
7:03
